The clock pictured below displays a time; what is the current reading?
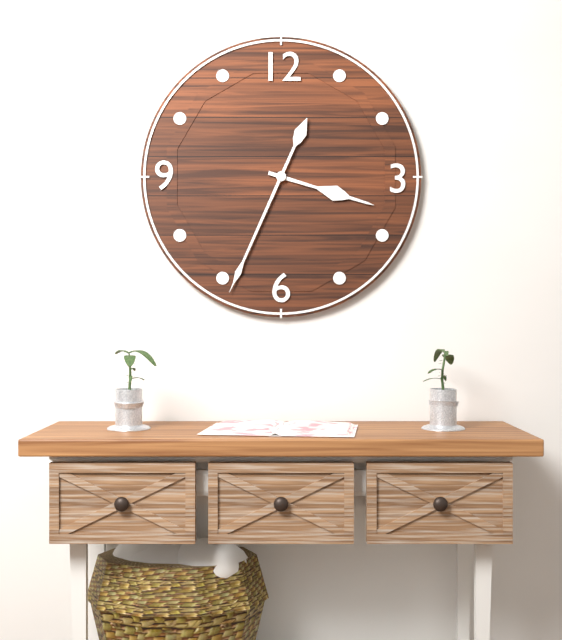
3:34
